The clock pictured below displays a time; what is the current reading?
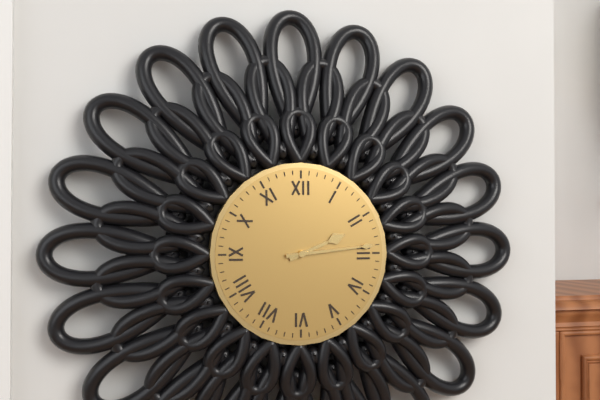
2:14
